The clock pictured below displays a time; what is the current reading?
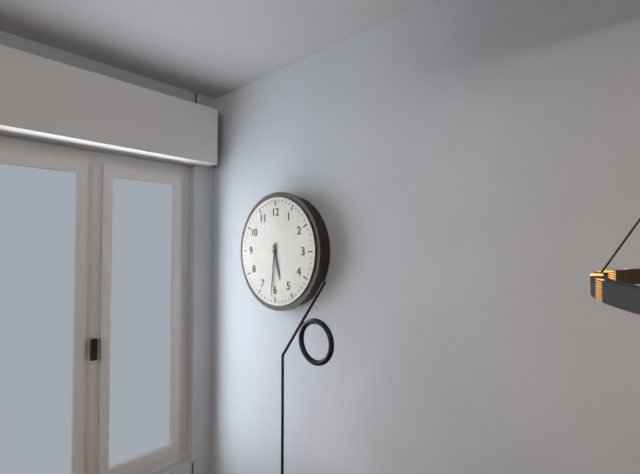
5:31
